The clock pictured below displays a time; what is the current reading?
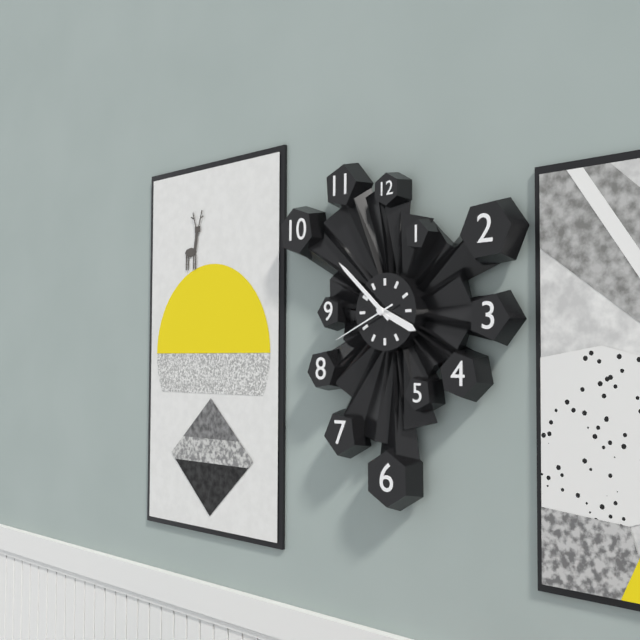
3:52:41
